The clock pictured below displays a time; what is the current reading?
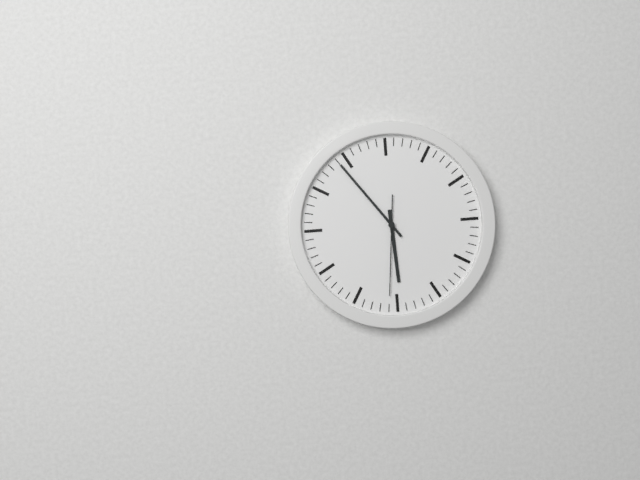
5:54:31
